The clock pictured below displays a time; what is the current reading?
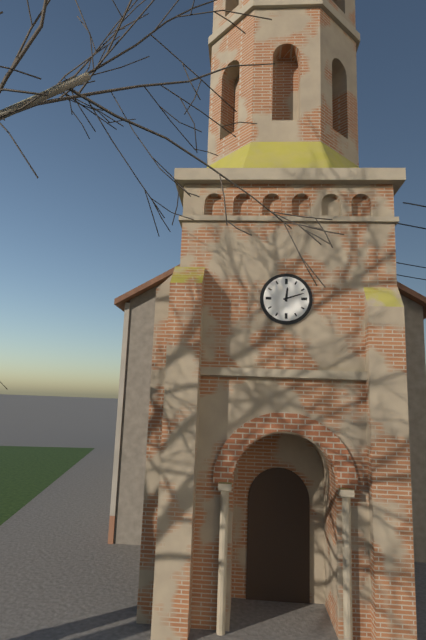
12:12
